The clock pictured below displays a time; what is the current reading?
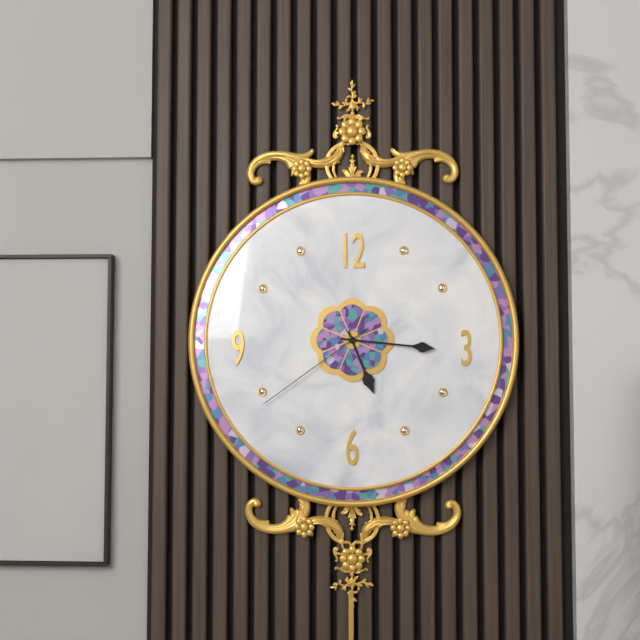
5:16:39
